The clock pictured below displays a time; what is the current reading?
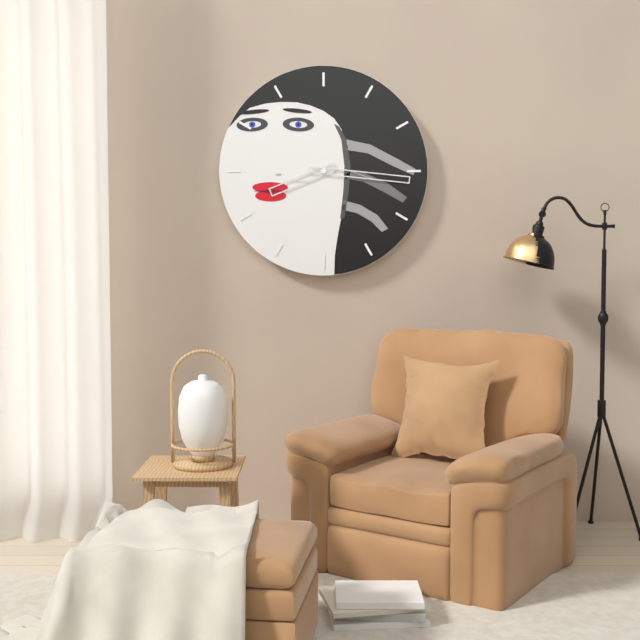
8:16
